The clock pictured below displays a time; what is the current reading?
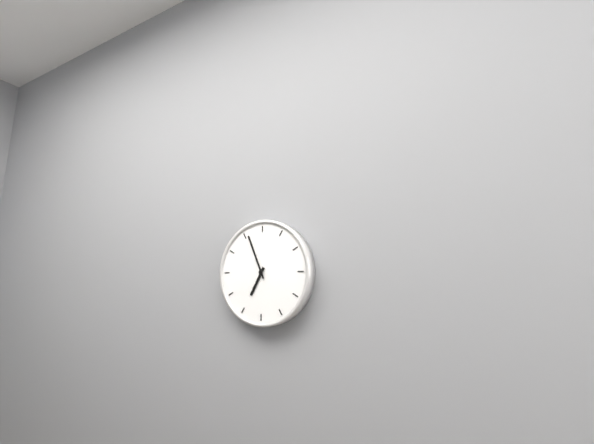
6:56
